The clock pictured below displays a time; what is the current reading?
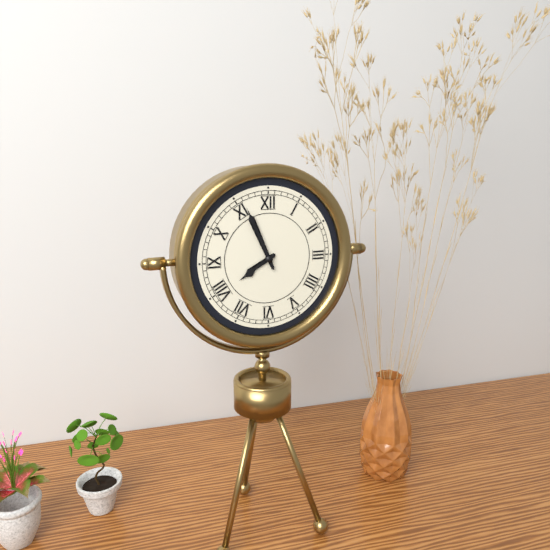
7:56
